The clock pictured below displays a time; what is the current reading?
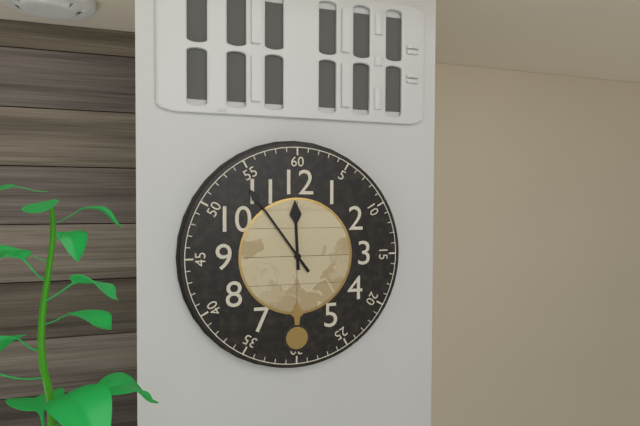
11:54
